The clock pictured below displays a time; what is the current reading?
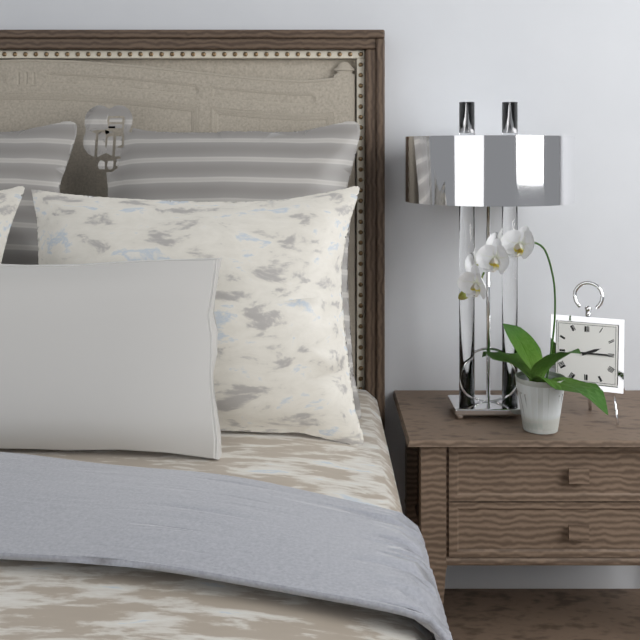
2:15
